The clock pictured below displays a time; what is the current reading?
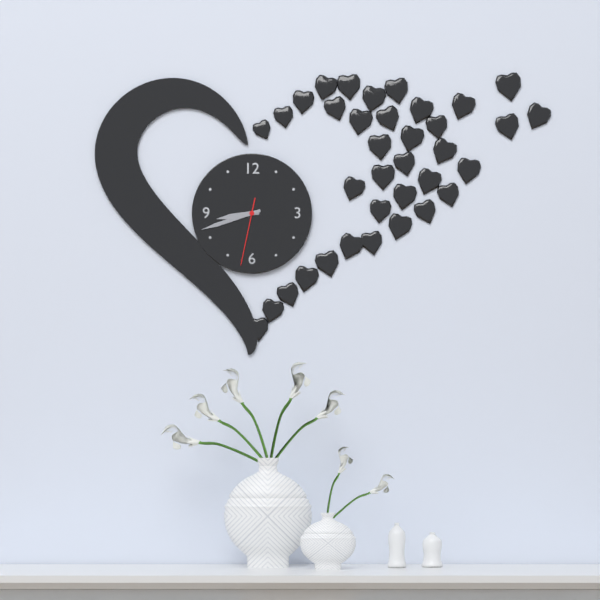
8:42:32
